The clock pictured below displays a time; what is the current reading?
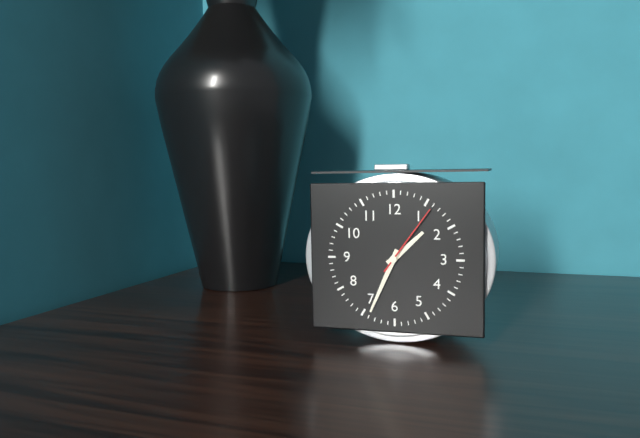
1:34:06
